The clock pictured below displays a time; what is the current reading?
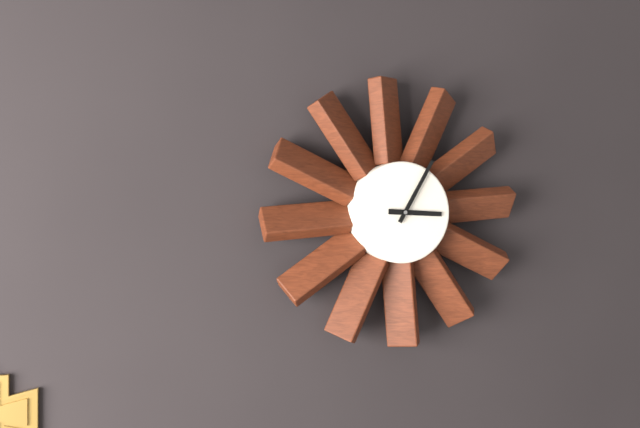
3:05
